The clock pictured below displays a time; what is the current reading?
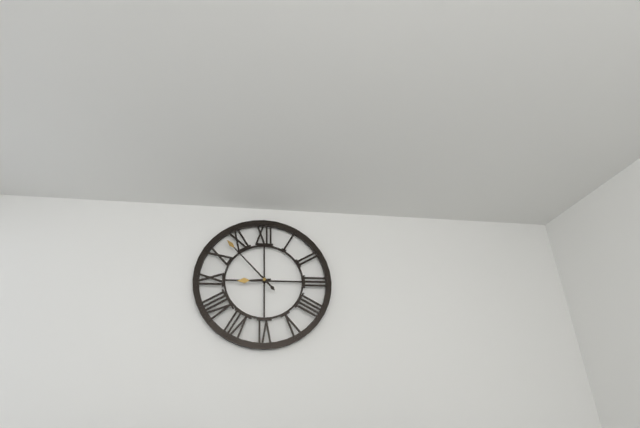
8:53
